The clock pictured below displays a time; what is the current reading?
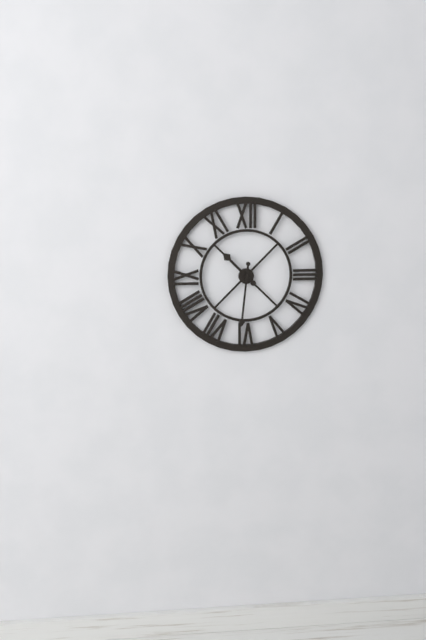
10:31
